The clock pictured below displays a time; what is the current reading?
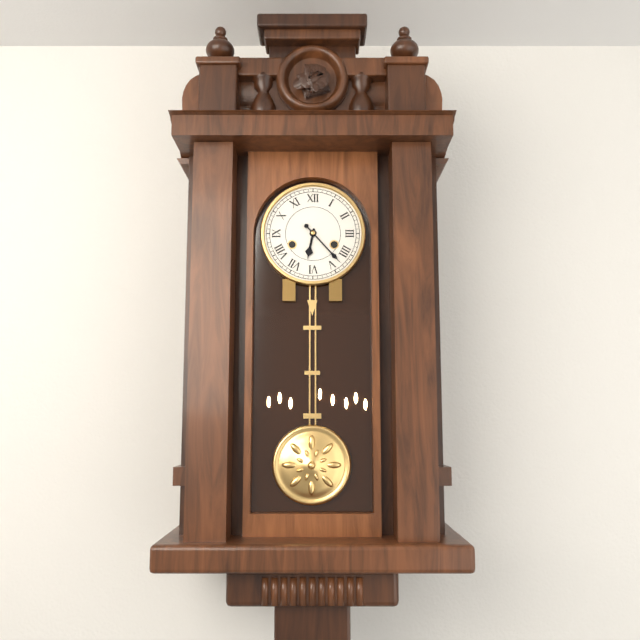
6:23
